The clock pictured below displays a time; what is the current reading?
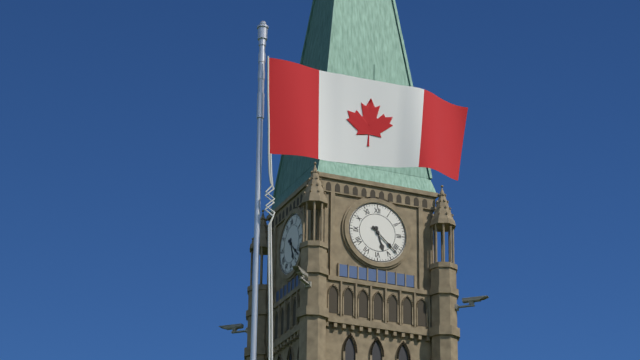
5:22
